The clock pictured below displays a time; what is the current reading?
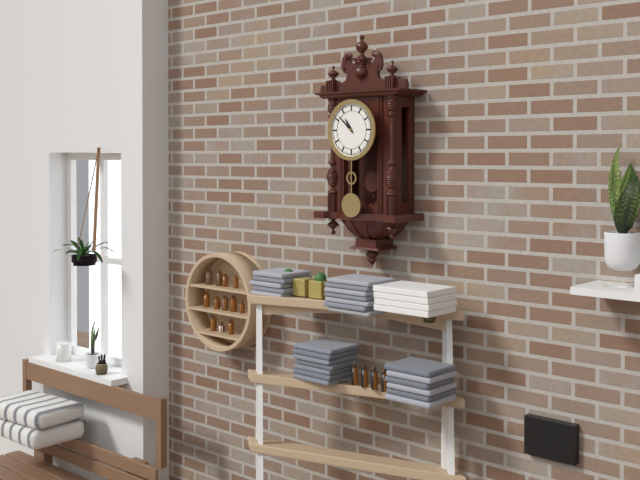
10:52
